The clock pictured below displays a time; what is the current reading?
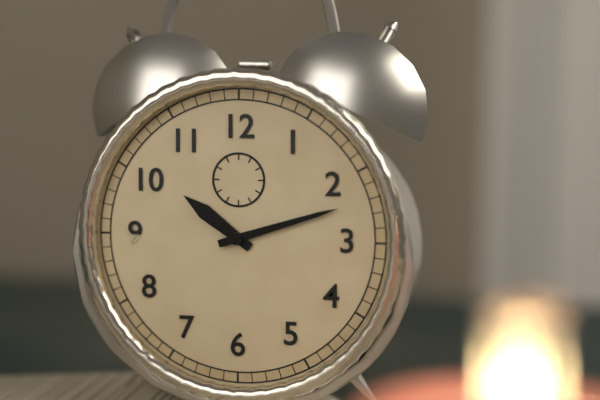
10:12
